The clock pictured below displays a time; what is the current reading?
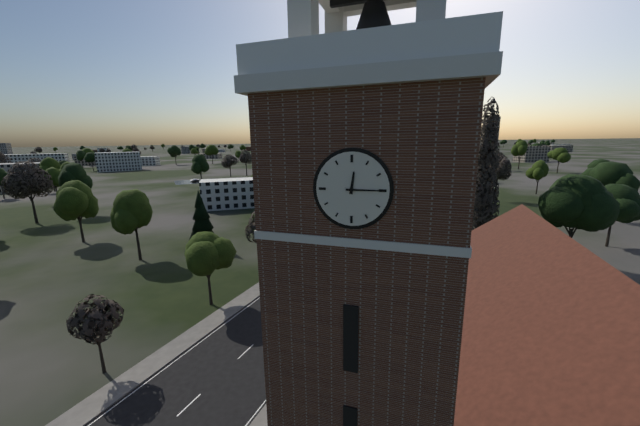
12:15
